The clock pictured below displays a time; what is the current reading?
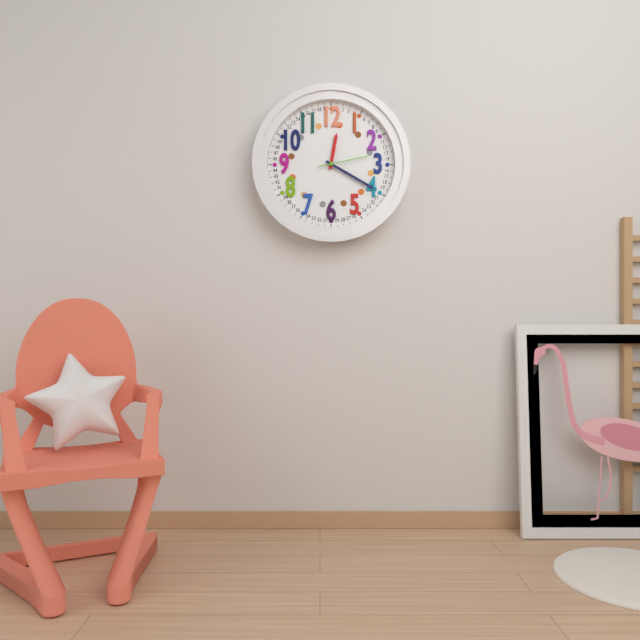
12:20:13
